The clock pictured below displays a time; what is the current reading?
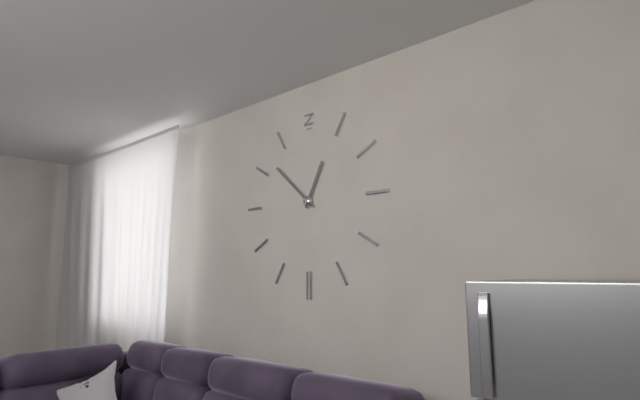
12:52
